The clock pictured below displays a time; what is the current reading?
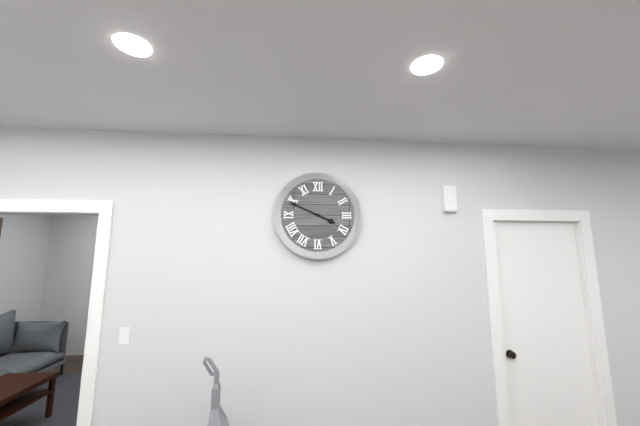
3:49
